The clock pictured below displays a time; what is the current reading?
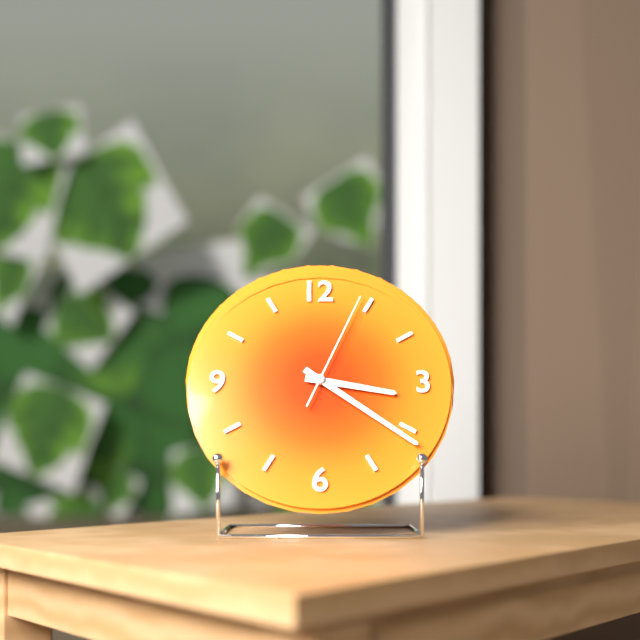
3:21:04
